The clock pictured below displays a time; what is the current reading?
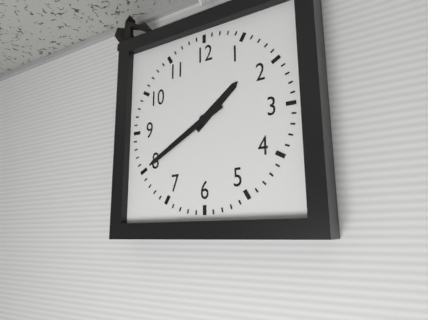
1:40
